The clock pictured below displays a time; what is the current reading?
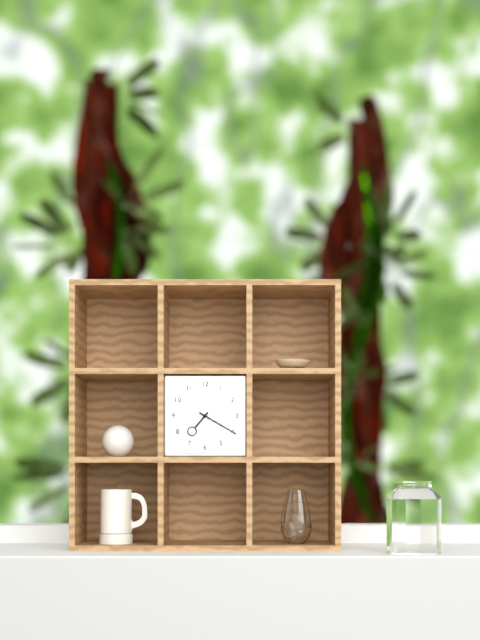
7:20
